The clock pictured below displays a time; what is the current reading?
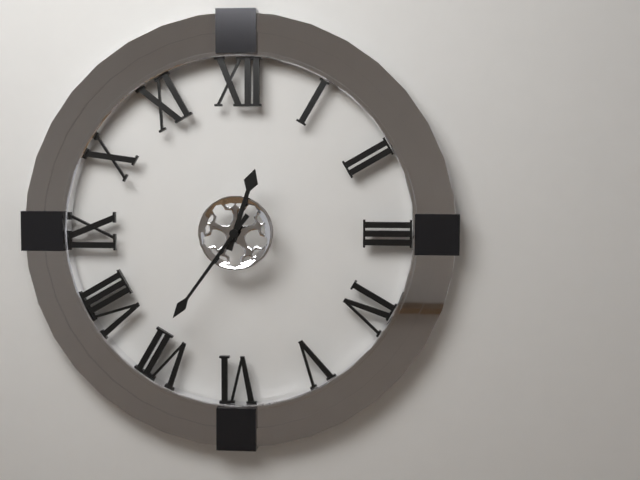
12:36
